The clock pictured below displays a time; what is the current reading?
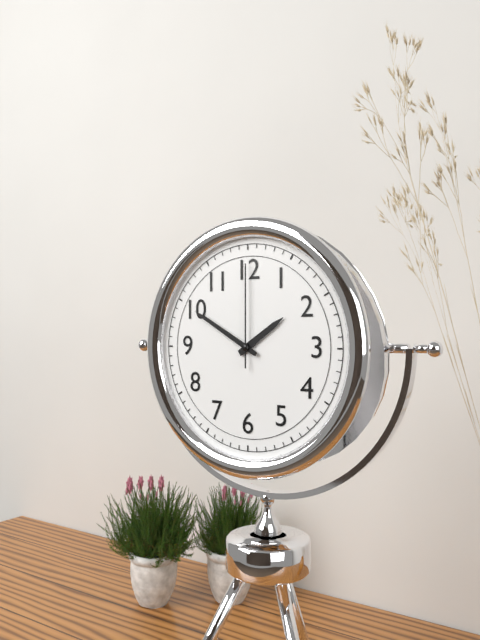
1:50:00
